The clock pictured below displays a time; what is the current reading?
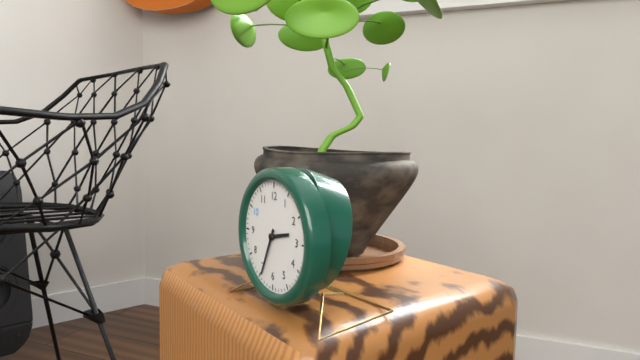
2:34
